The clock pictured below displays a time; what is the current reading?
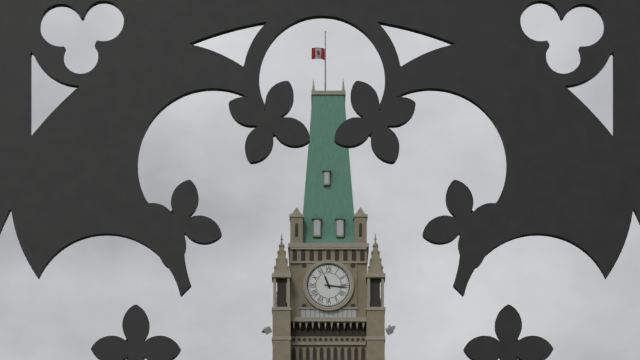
11:16
